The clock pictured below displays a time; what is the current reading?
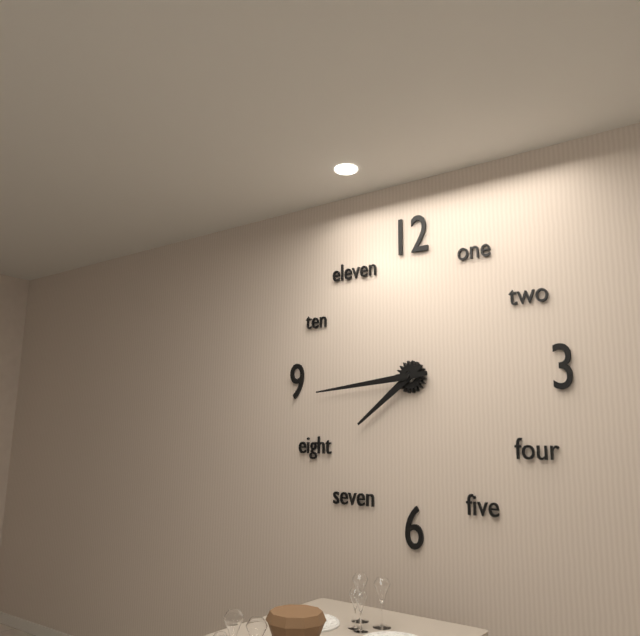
7:44
